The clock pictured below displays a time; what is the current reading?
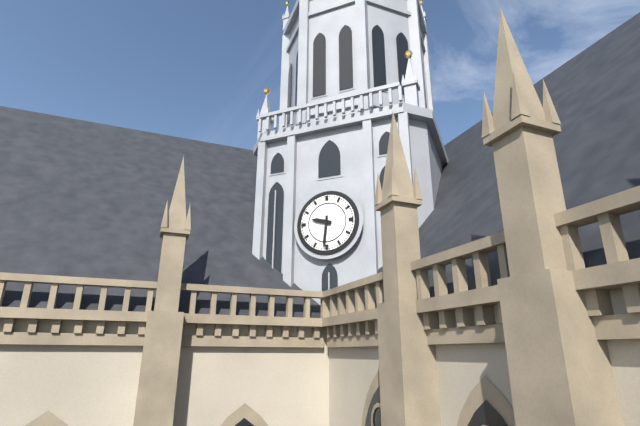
9:31
